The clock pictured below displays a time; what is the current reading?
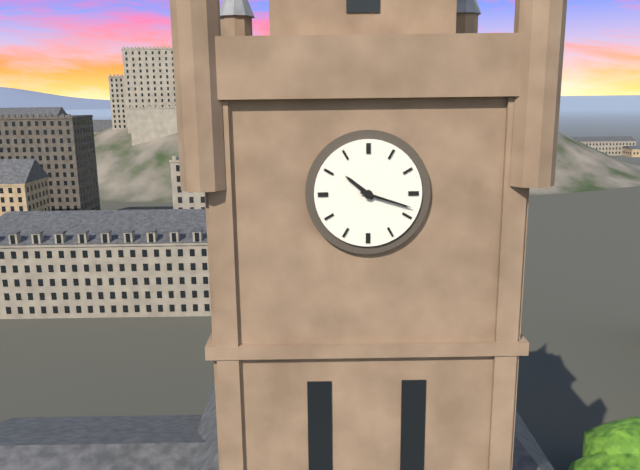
10:18
